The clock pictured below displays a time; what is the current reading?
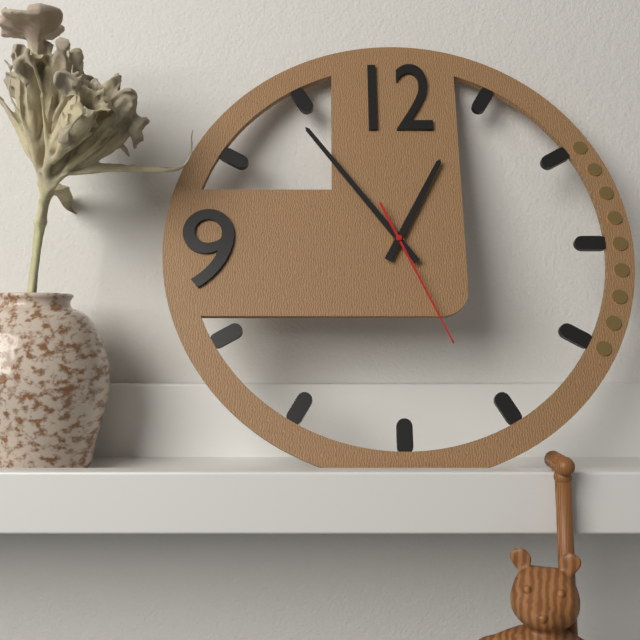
12:54:26
